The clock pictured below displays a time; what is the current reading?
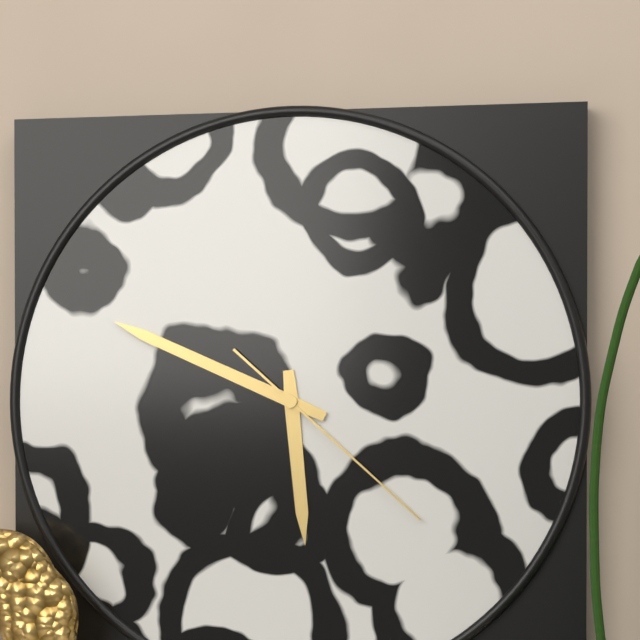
5:49:22
